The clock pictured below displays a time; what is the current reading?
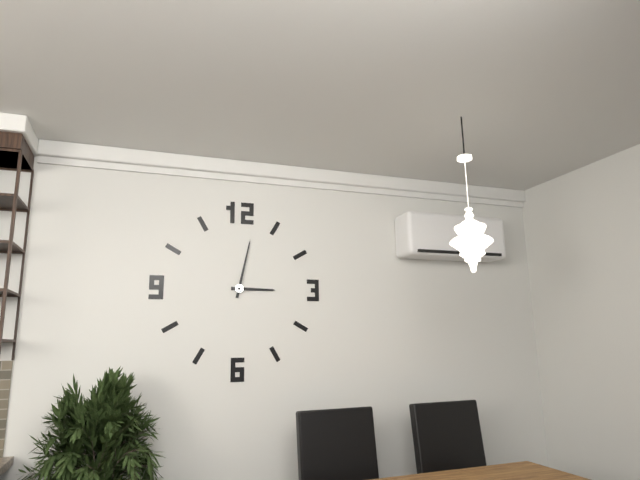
3:02
